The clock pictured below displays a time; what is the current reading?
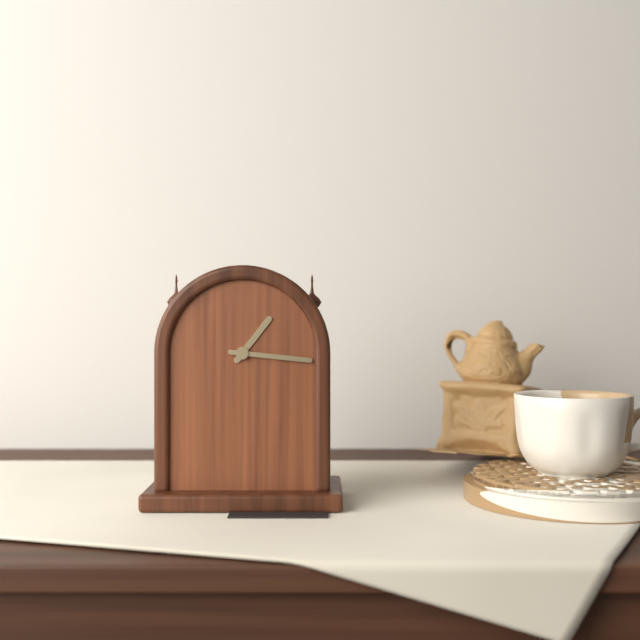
1:16
